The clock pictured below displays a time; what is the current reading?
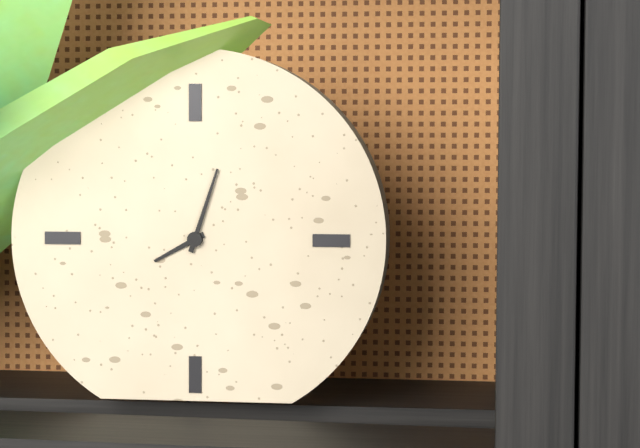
8:03
